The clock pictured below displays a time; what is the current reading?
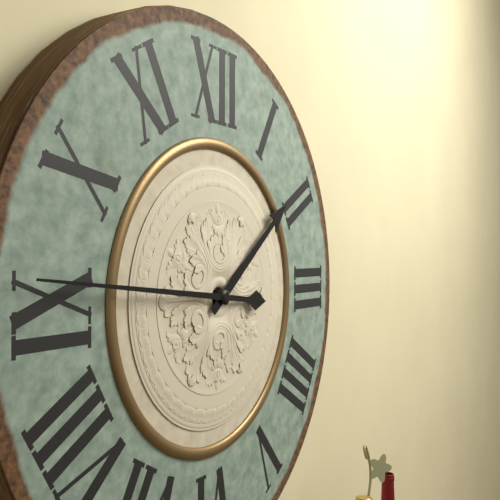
1:46
